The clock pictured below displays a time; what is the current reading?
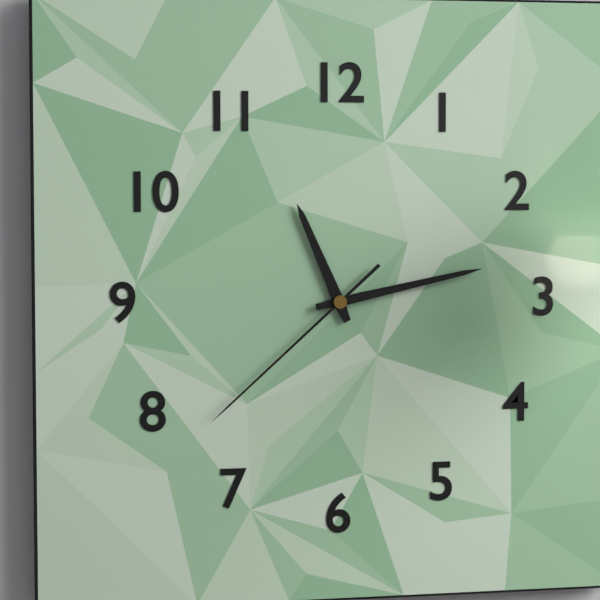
11:13:38
